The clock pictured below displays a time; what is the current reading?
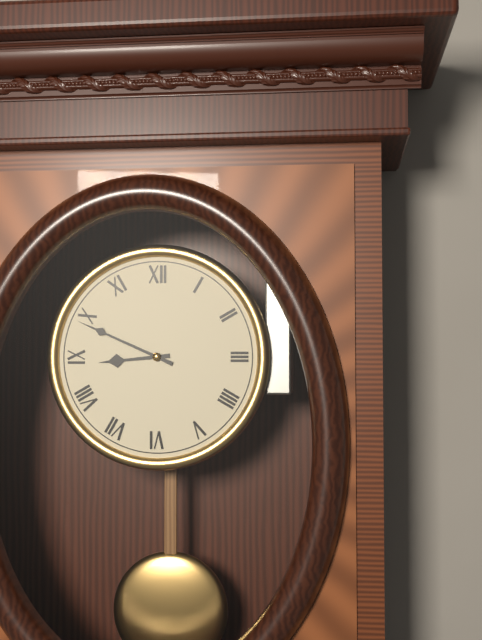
8:49
